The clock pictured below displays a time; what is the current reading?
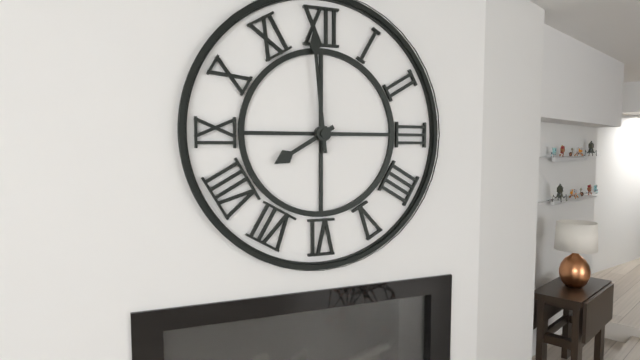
7:59
